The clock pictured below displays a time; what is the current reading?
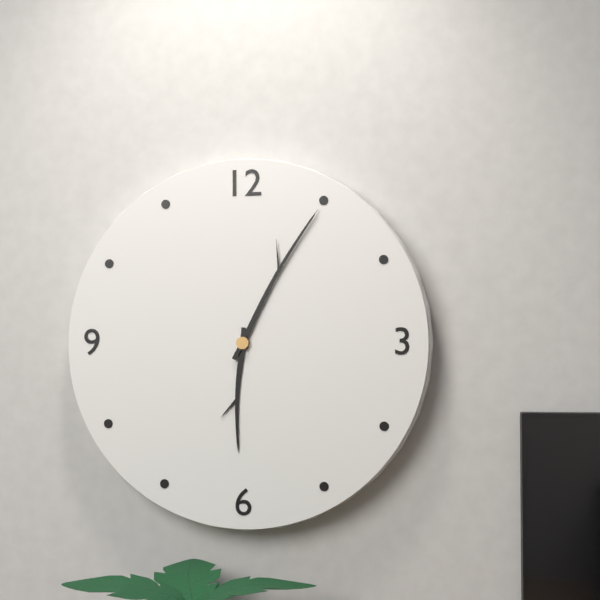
6:05
